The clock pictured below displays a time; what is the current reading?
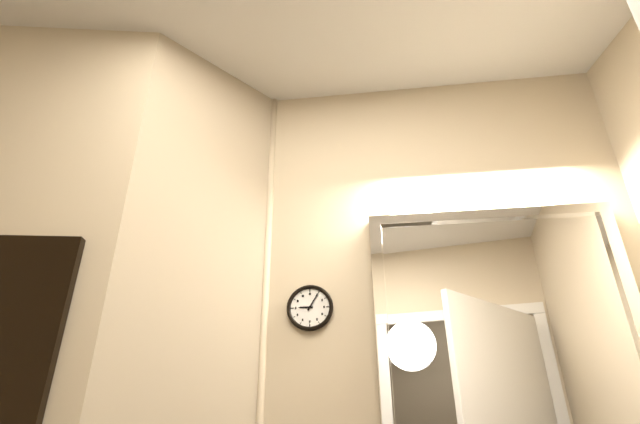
9:05
